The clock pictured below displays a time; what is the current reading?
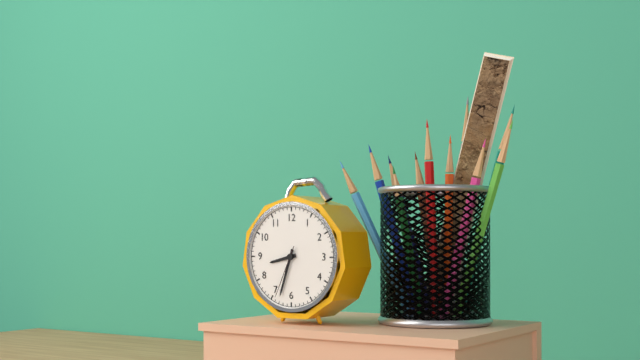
8:33:34
